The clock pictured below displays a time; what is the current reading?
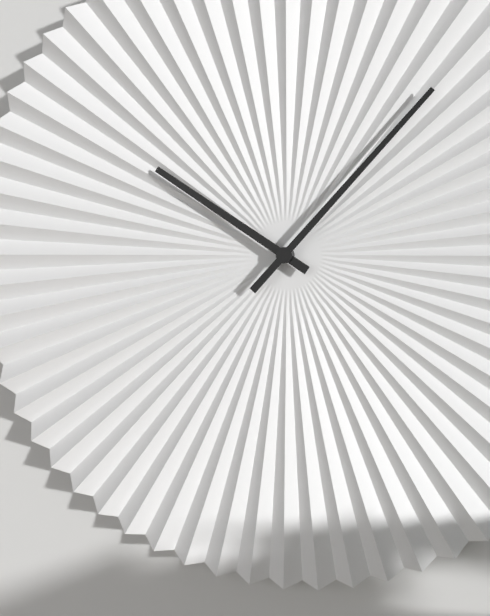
10:07
